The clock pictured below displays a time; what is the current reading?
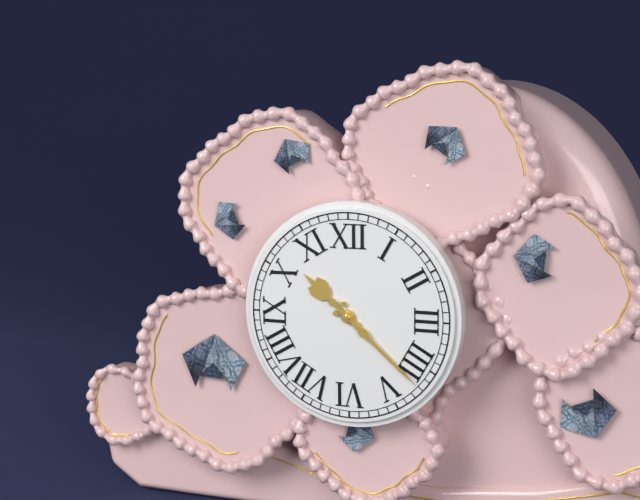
10:22
